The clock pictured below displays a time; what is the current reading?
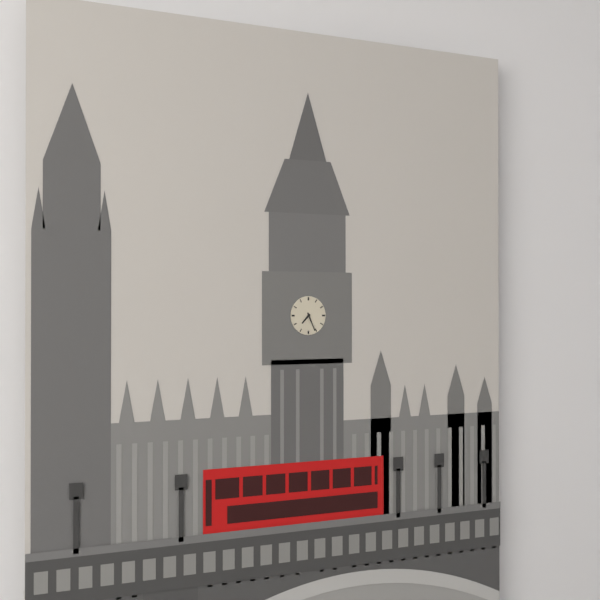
7:26
